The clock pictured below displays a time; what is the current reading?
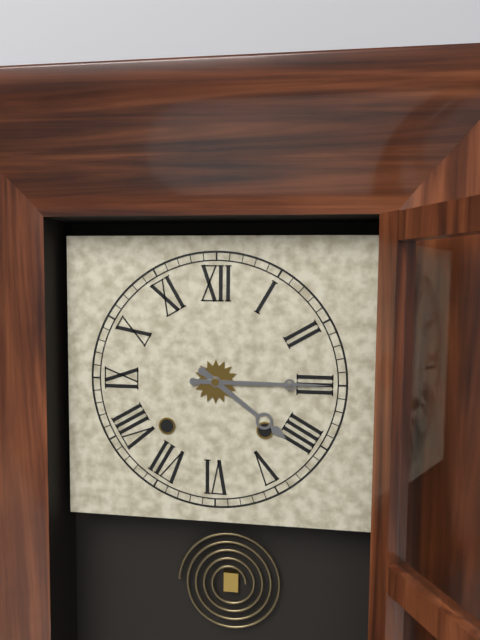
4:15
